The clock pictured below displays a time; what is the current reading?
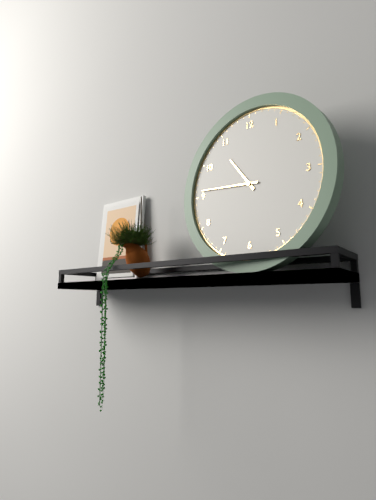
10:46
